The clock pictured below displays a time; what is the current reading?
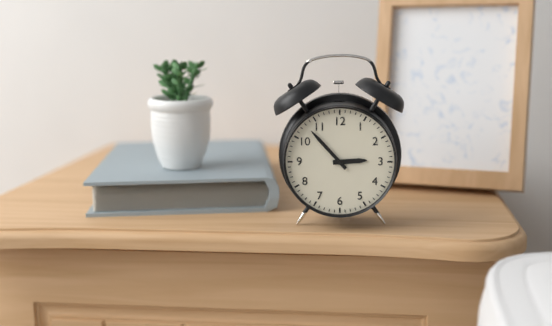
2:53
